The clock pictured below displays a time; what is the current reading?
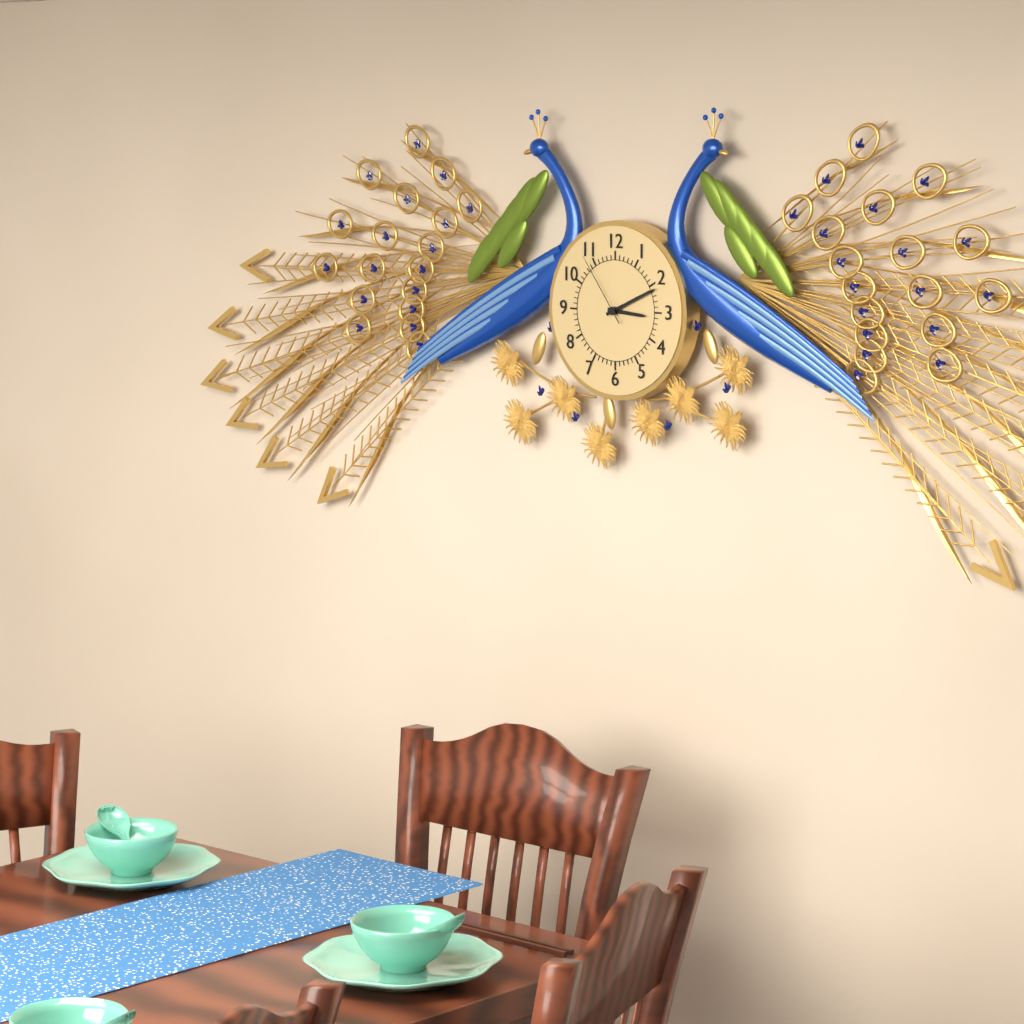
3:11:54
